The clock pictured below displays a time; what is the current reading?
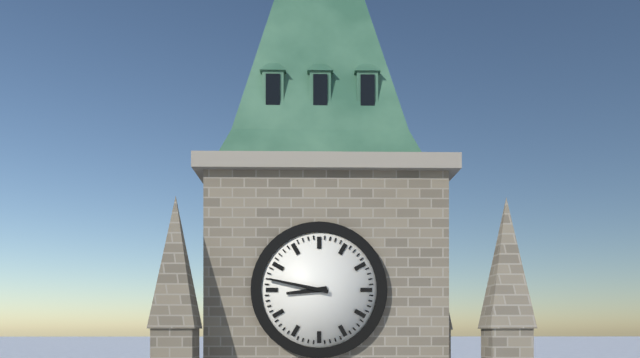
8:47
